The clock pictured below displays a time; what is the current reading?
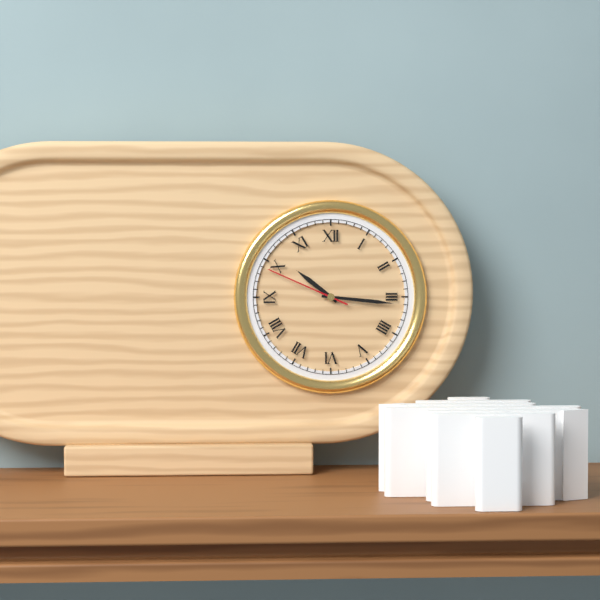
10:16:49
